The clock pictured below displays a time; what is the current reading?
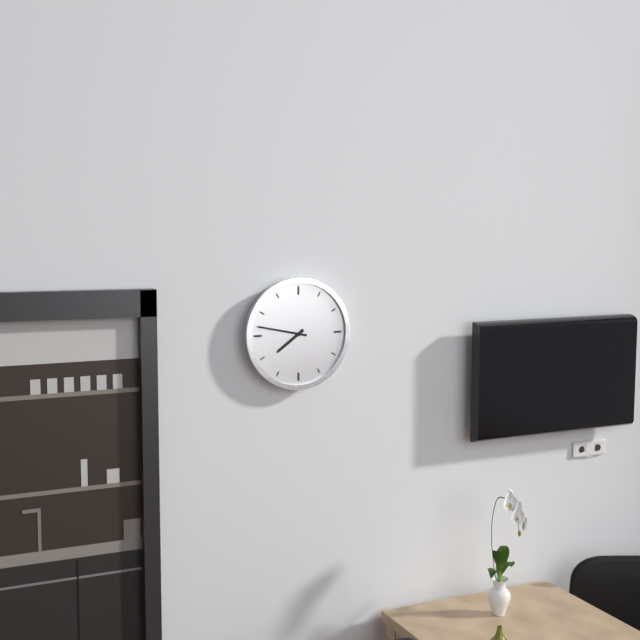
7:47
